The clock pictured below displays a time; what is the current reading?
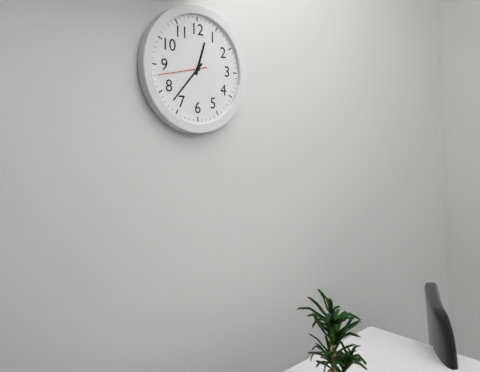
12:37:43
